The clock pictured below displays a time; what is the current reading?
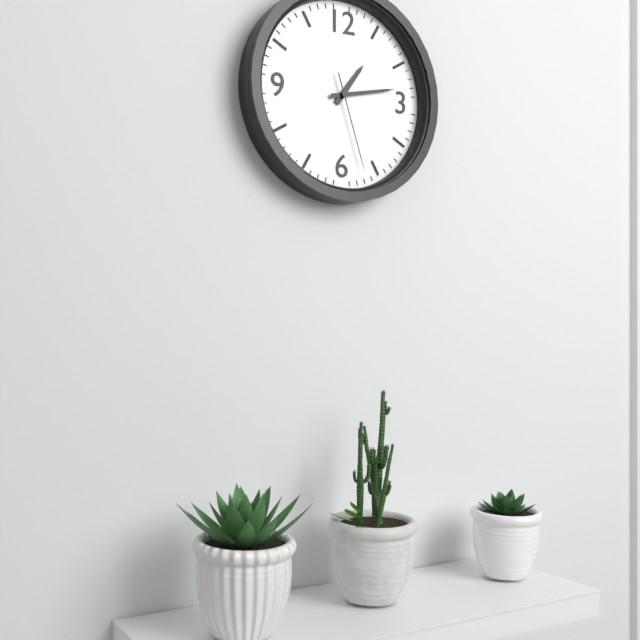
1:13:27
